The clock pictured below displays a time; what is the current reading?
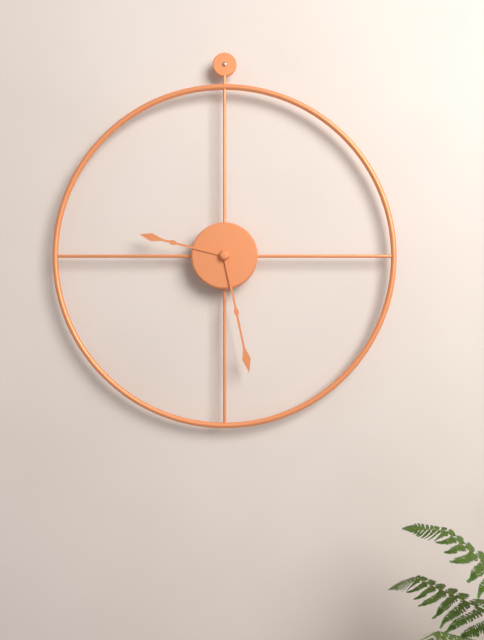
9:28
